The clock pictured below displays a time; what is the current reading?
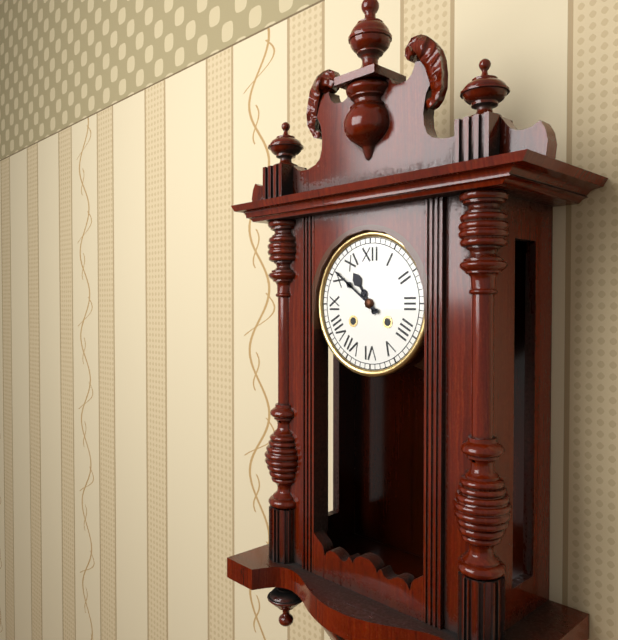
10:51
